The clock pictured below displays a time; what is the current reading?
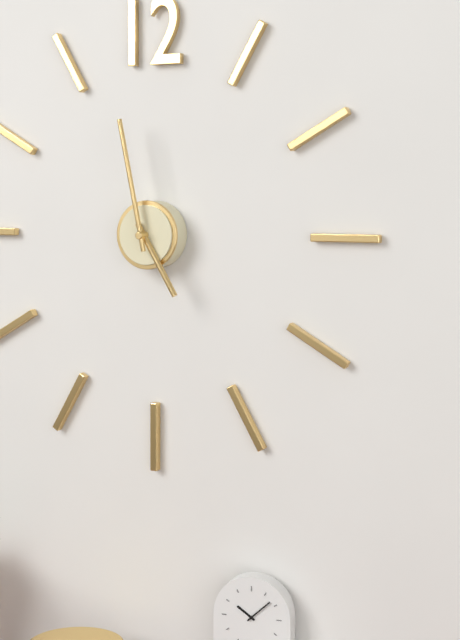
4:58
